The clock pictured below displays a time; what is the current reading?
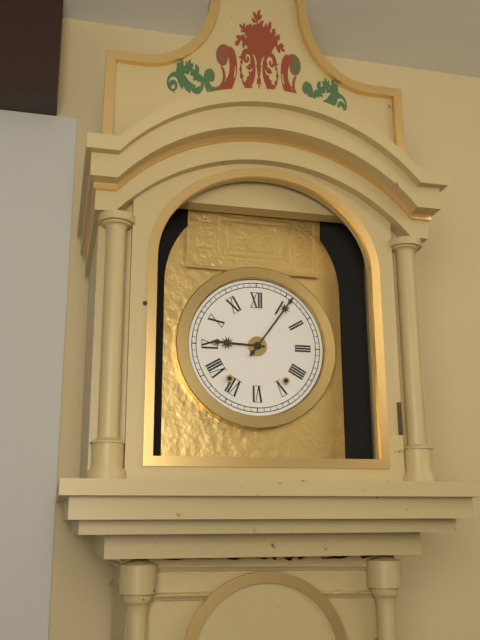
9:06
